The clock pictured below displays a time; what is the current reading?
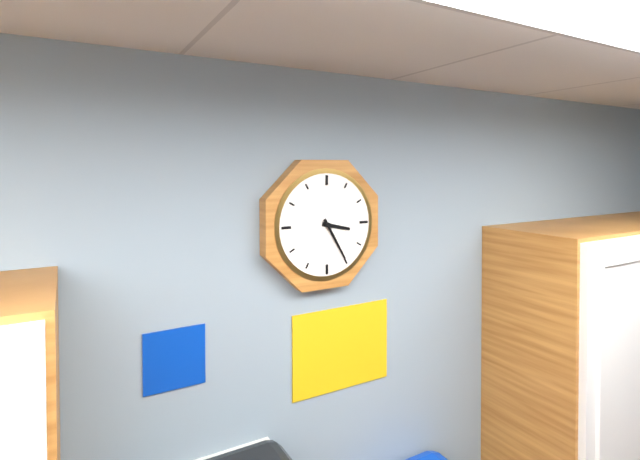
3:25
